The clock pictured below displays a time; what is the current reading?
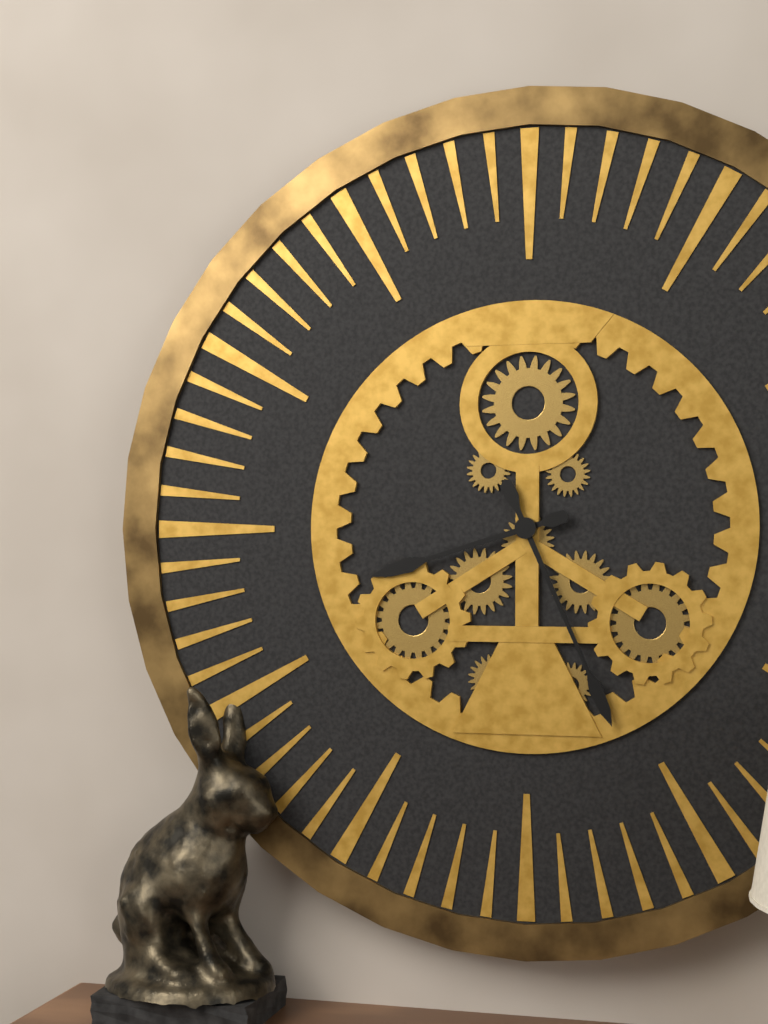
8:26
